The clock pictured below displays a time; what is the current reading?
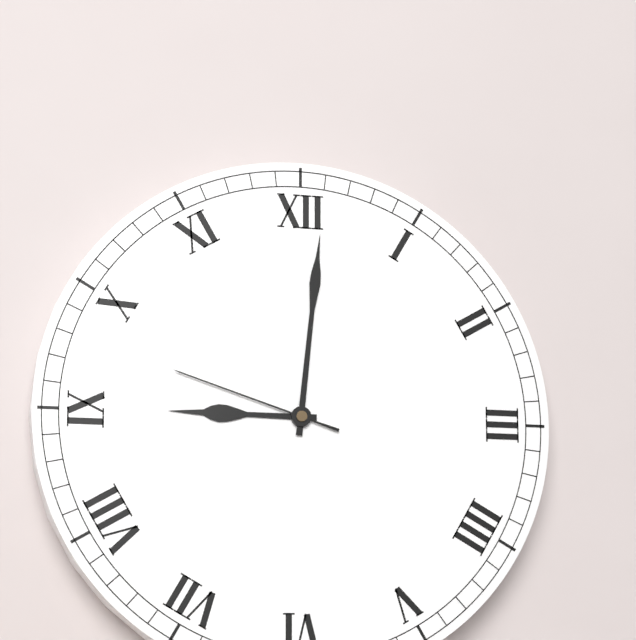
9:01:48
